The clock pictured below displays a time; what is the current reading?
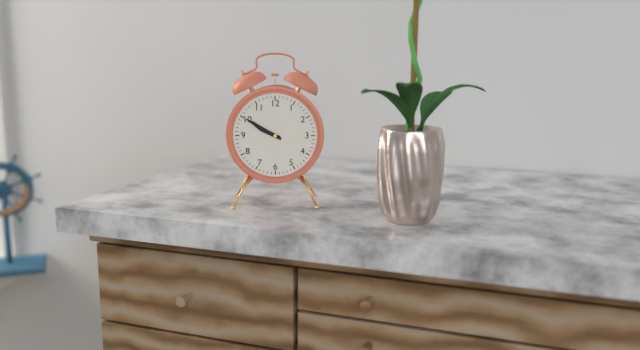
9:50
